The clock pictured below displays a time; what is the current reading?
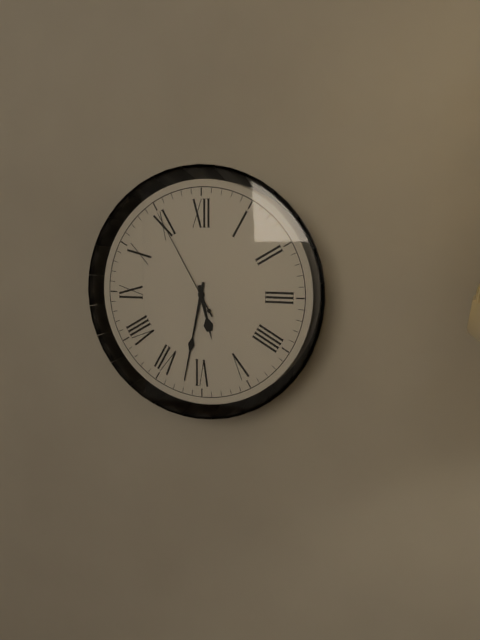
5:32:55
